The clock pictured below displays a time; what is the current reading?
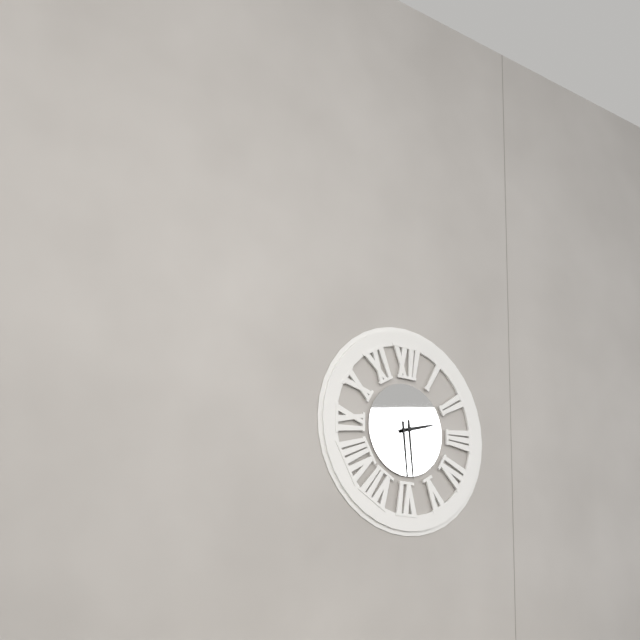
2:29
